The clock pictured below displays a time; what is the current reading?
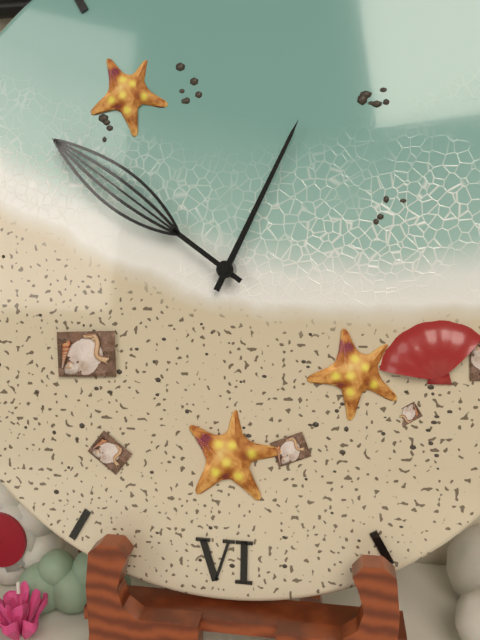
12:51
